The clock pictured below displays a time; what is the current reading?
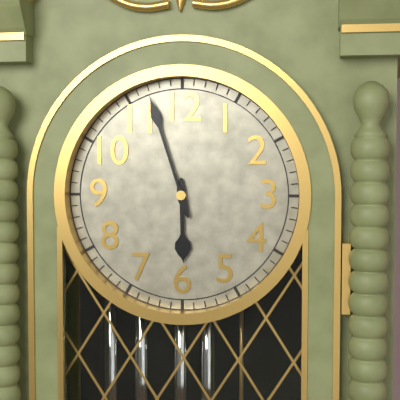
5:57
